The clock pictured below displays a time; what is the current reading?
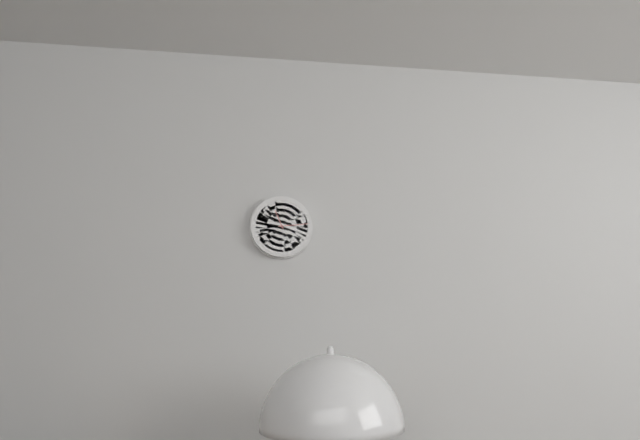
11:14
